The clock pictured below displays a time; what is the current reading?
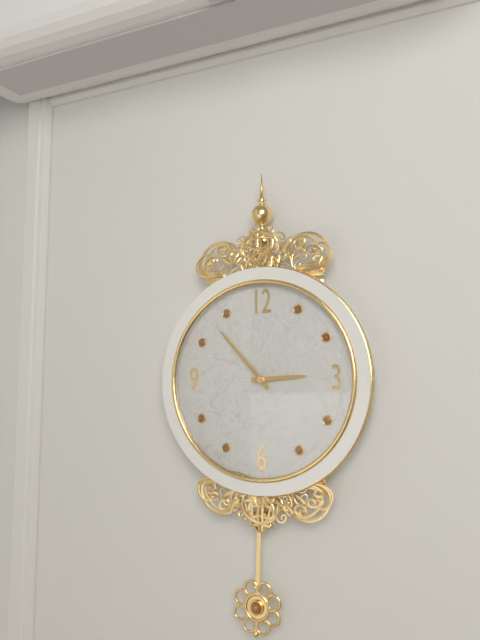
2:53
